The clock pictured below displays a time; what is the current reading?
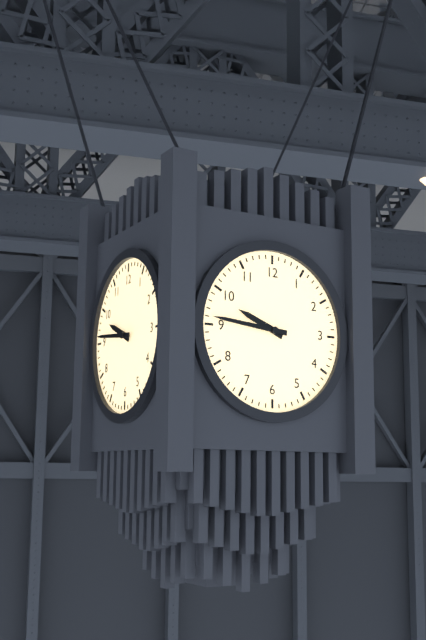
9:46
